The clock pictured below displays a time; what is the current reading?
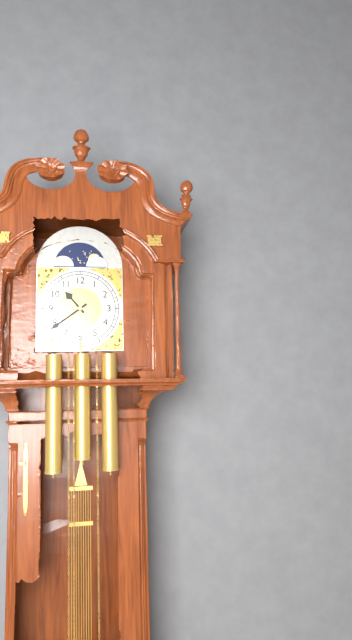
10:39
